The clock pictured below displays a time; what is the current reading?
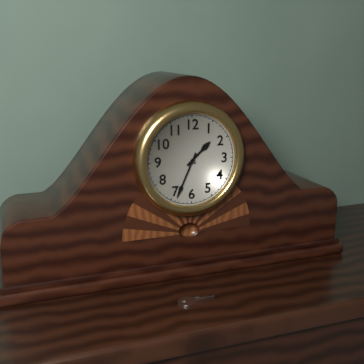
1:34
